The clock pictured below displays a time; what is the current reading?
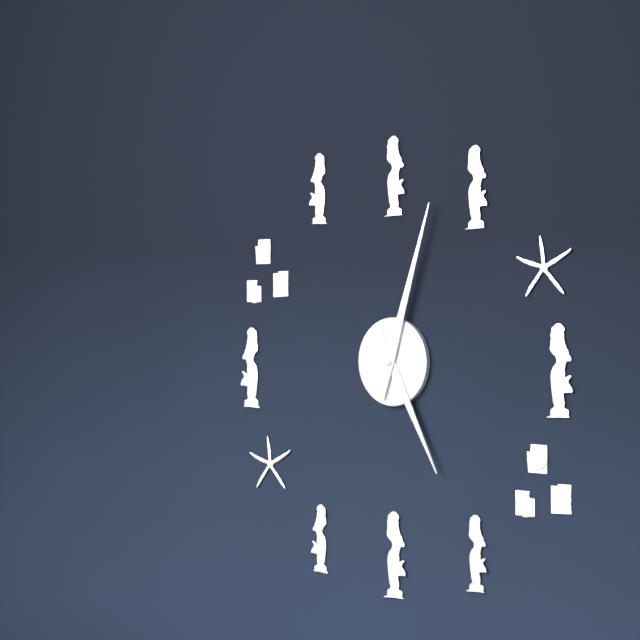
5:03
